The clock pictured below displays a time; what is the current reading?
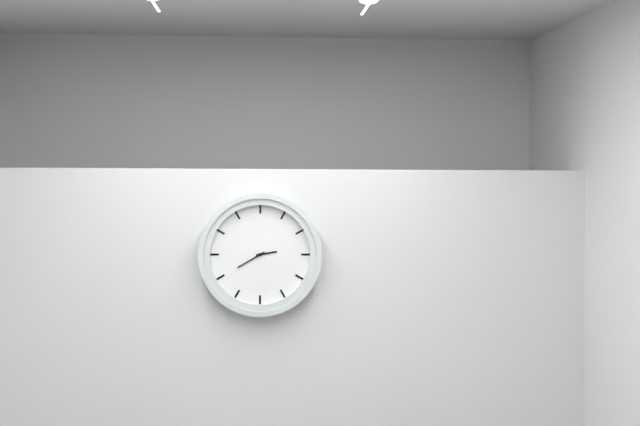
2:40
